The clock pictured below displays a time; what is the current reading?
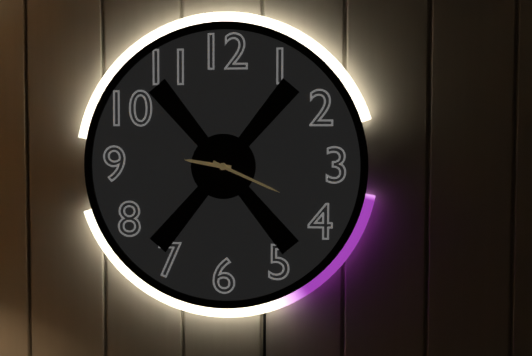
9:19
